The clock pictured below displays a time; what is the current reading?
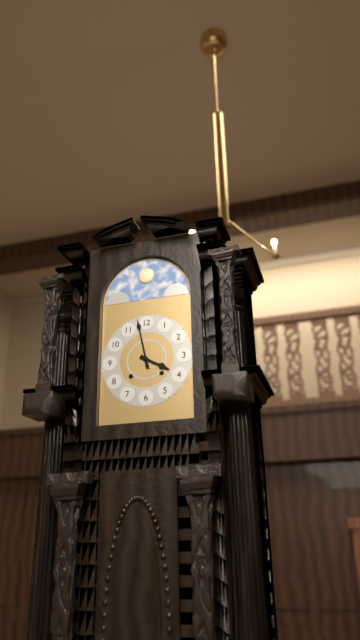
3:58
